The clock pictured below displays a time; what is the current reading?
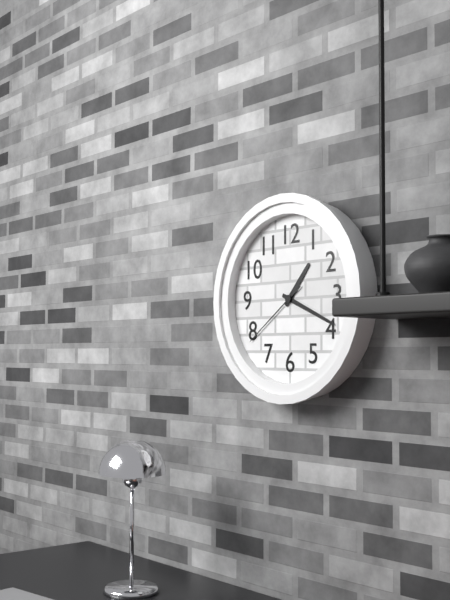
1:19:39
